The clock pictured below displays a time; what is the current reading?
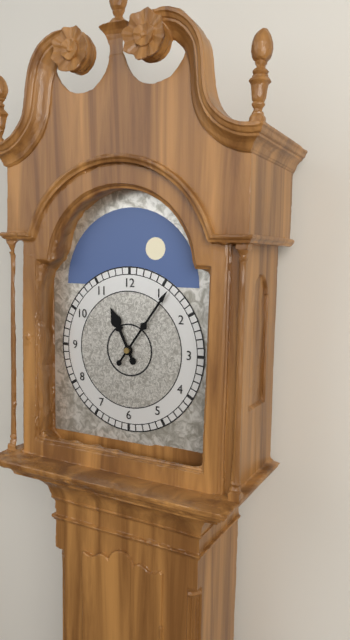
11:06
